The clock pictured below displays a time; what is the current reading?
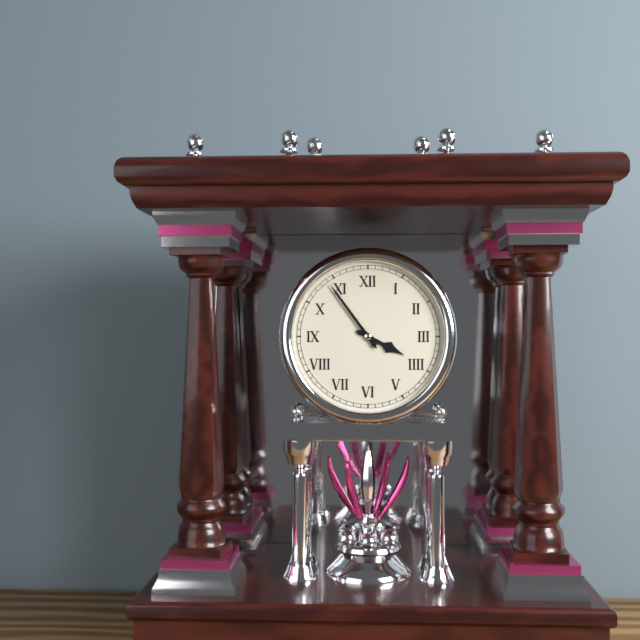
3:54
